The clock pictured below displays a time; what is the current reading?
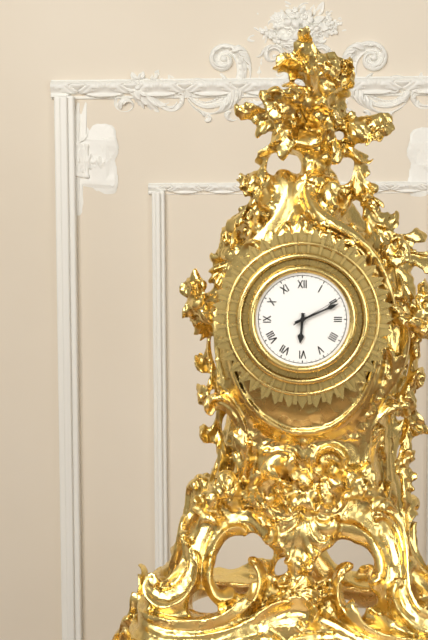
6:11:10
